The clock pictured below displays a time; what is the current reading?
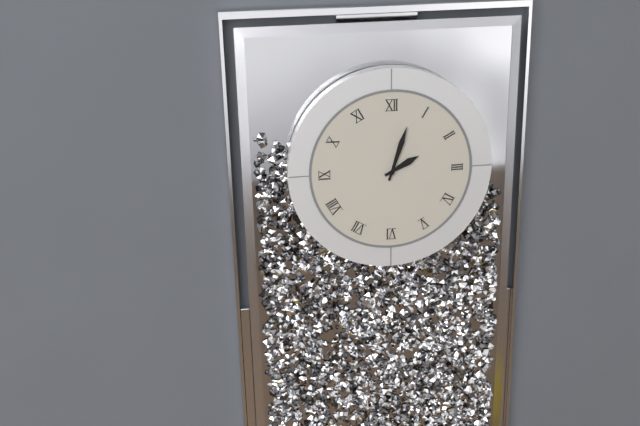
2:03
